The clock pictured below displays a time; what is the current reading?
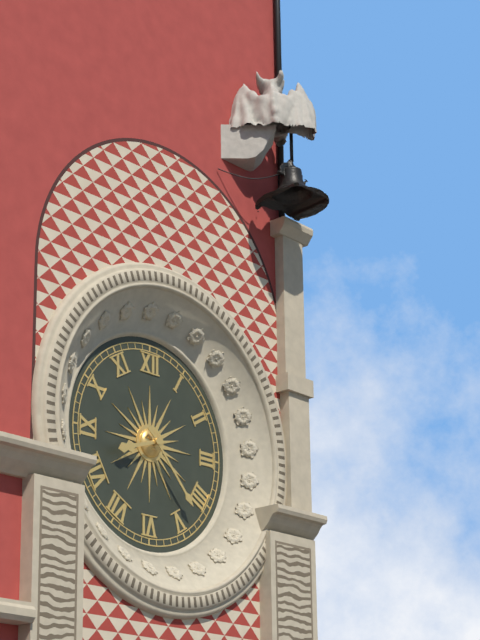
8:23
